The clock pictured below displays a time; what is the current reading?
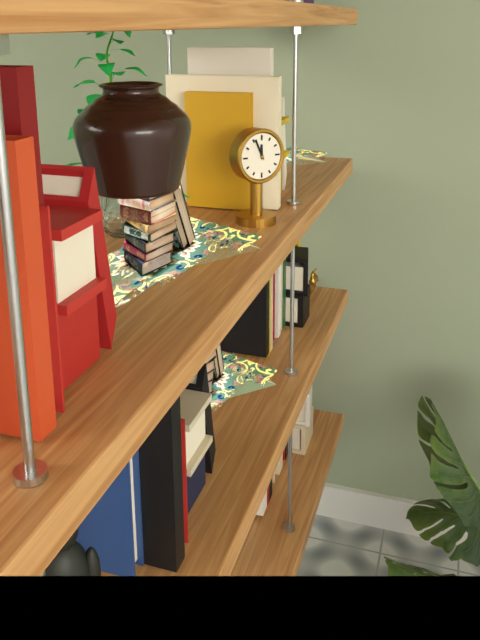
11:56
